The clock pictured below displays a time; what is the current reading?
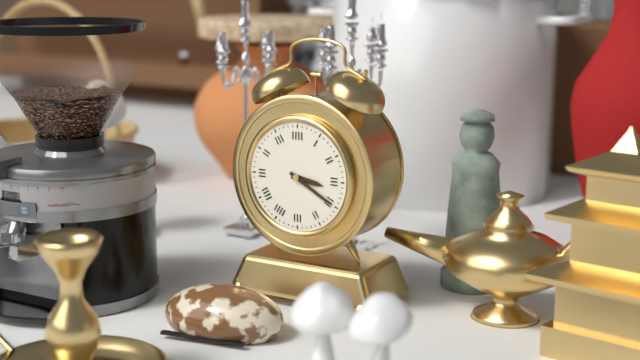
3:20
